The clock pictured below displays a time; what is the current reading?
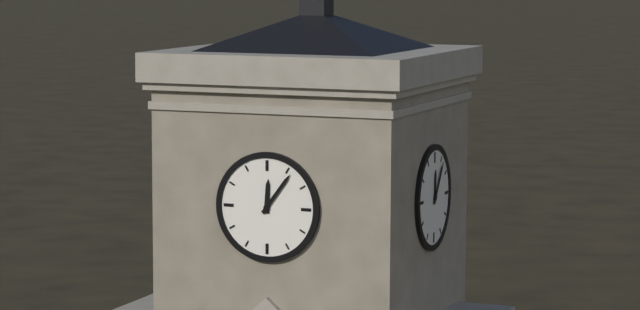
12:06
